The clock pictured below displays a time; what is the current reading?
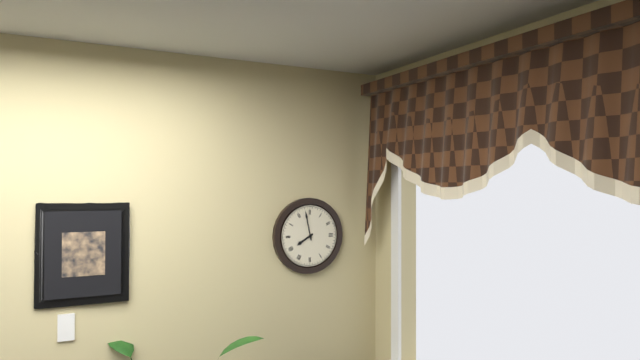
7:58
